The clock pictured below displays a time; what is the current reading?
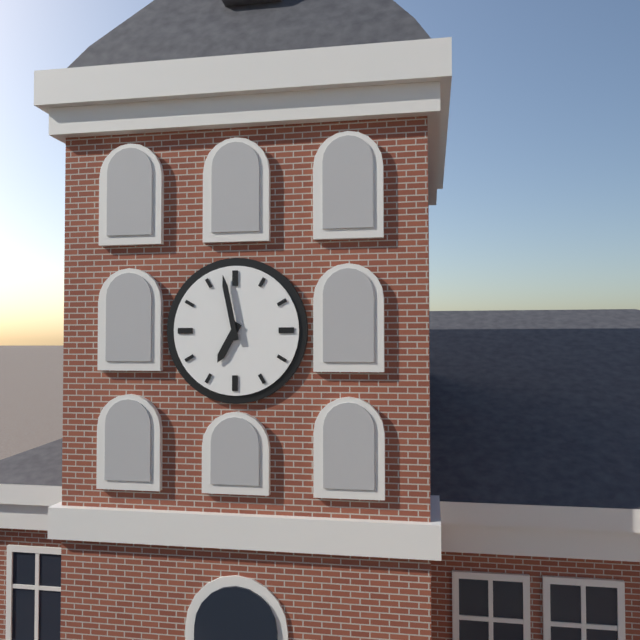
6:58
